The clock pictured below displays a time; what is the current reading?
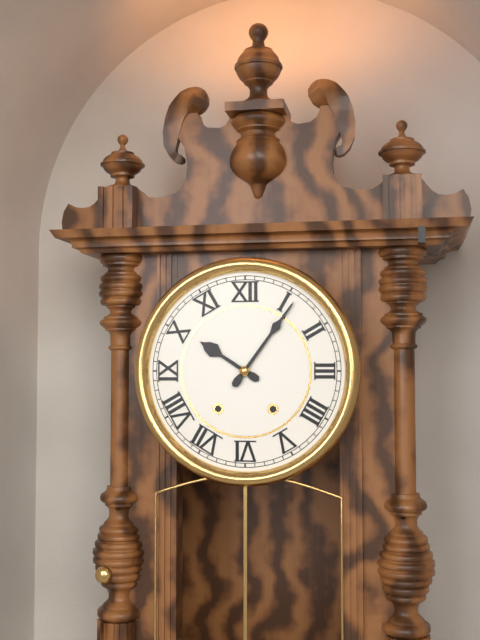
10:06
